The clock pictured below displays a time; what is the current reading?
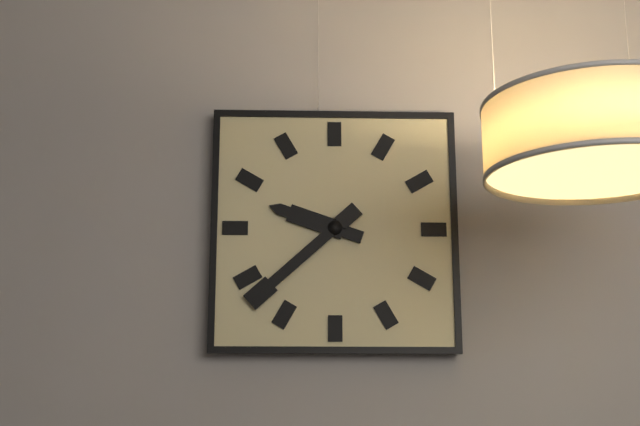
9:38
